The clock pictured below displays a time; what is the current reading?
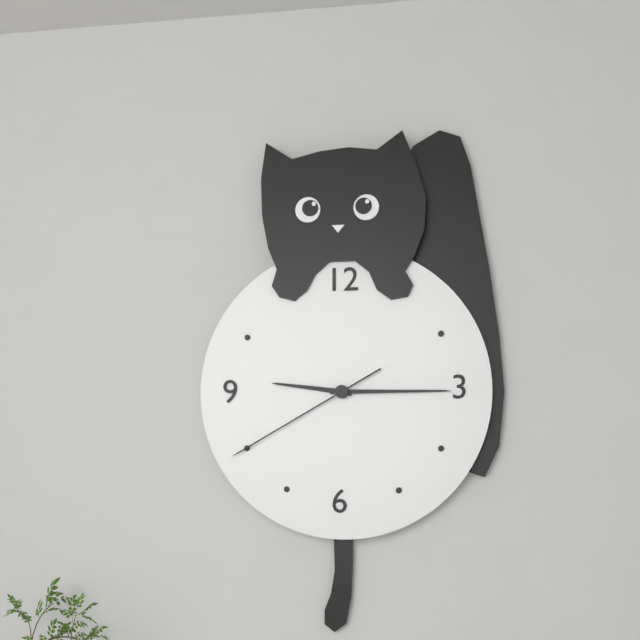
9:15:40
